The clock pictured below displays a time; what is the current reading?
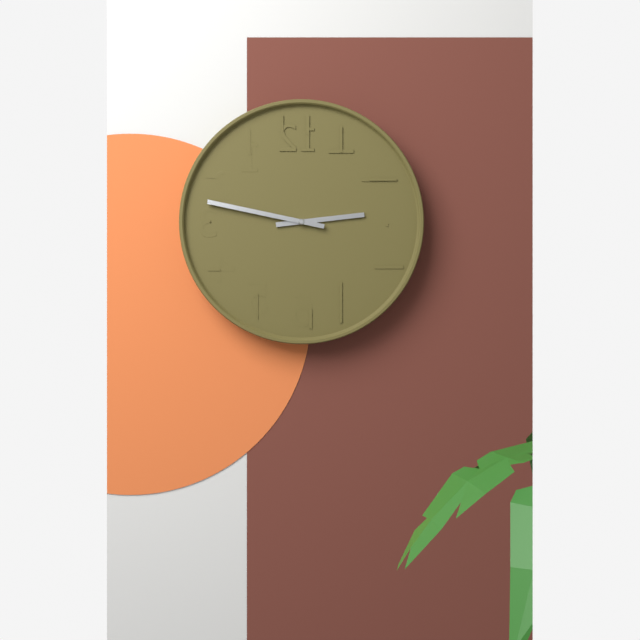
2:47
